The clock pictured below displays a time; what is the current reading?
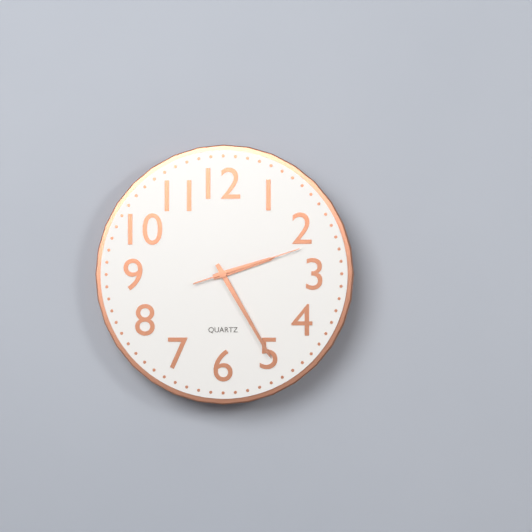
2:25:12
